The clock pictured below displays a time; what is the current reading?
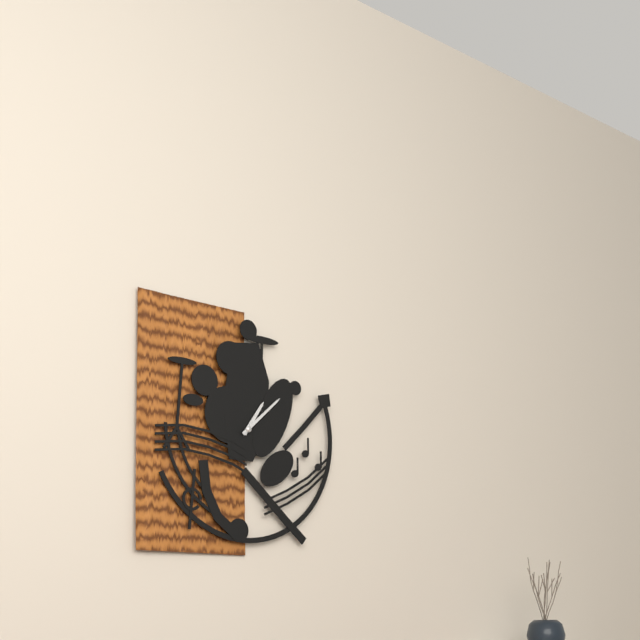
1:08
